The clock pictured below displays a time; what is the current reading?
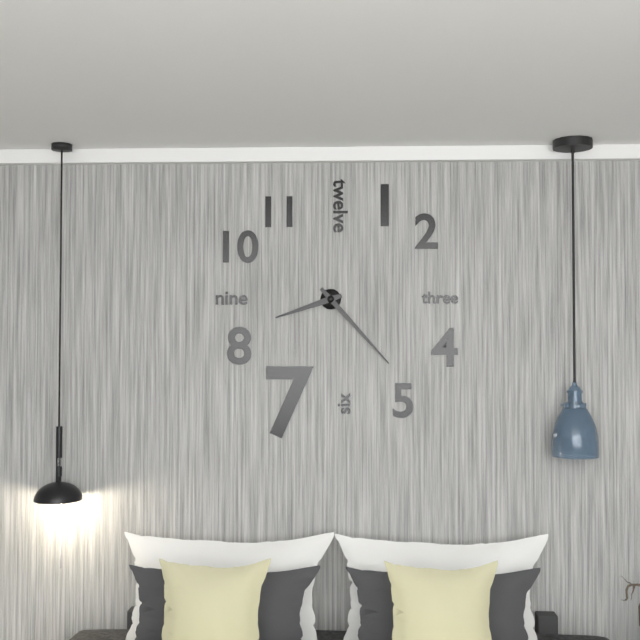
8:23
